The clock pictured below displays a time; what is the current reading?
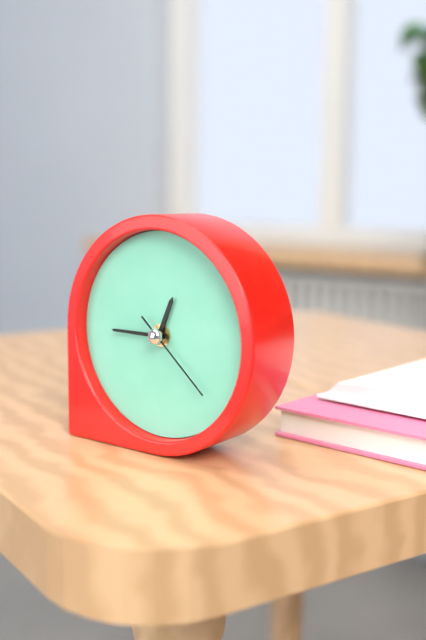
12:45:22
